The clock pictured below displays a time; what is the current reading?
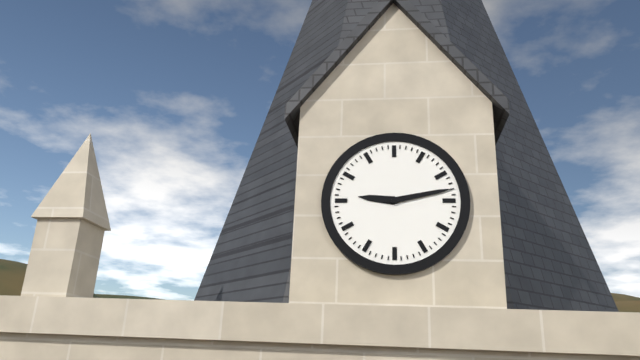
9:13
